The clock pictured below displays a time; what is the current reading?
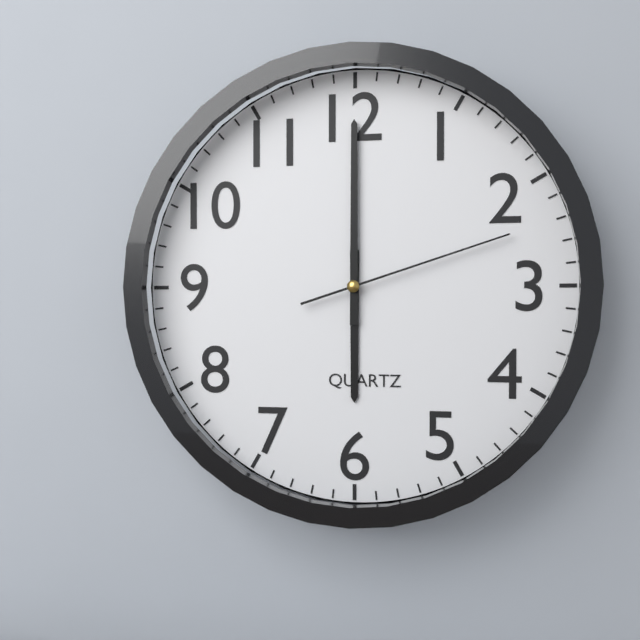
6:00:12
